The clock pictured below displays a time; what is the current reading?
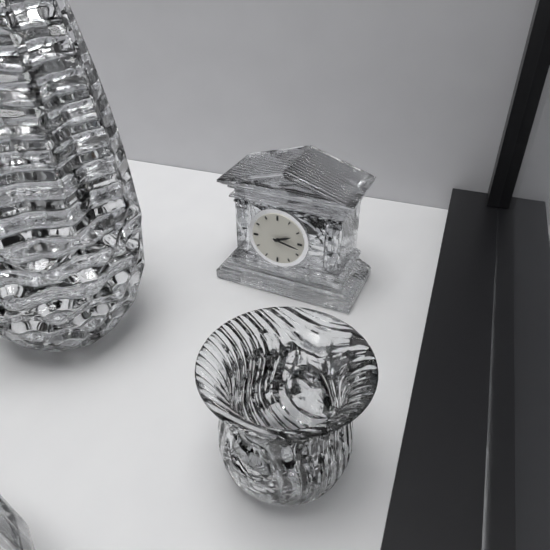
2:17
